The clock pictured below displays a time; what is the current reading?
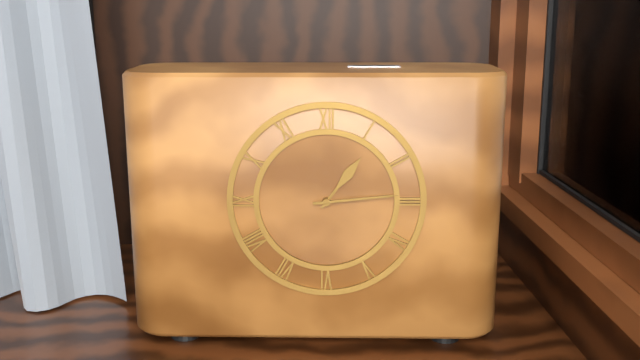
1:14
